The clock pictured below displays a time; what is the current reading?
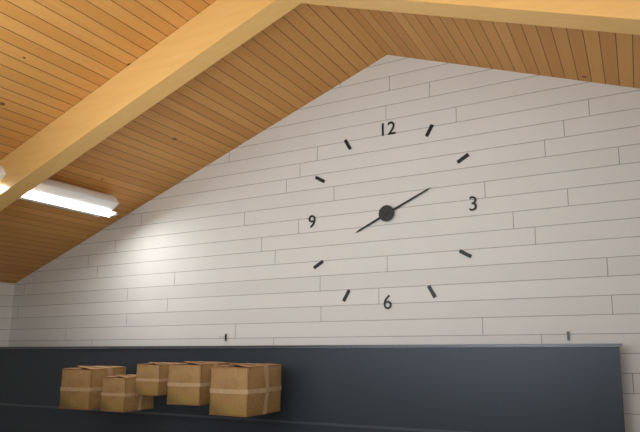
8:11
